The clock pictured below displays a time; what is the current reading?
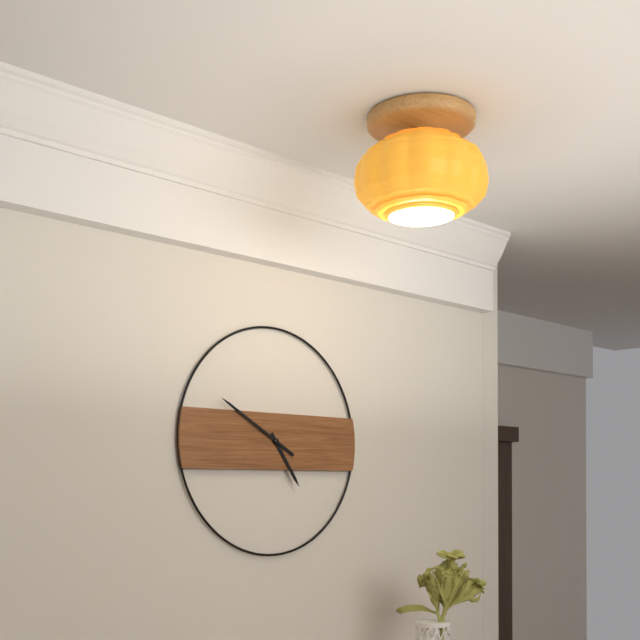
4:50
